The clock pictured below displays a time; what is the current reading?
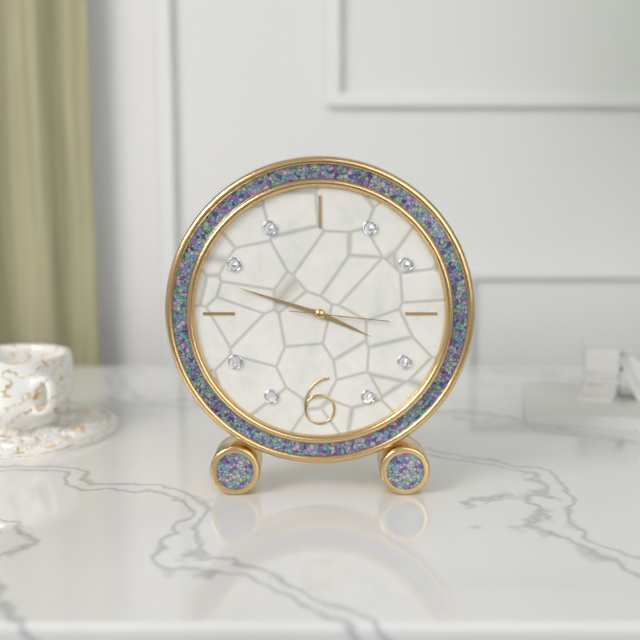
3:48:16
